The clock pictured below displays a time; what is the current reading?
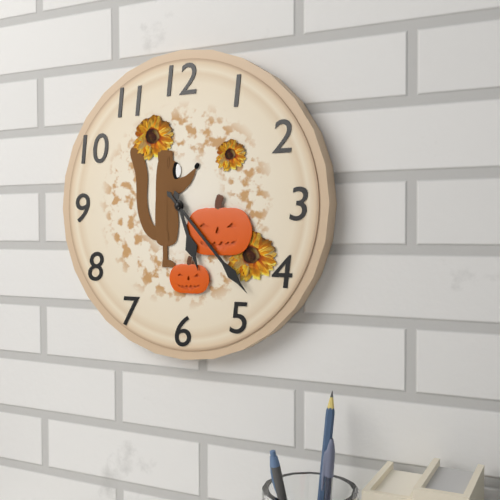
5:23
